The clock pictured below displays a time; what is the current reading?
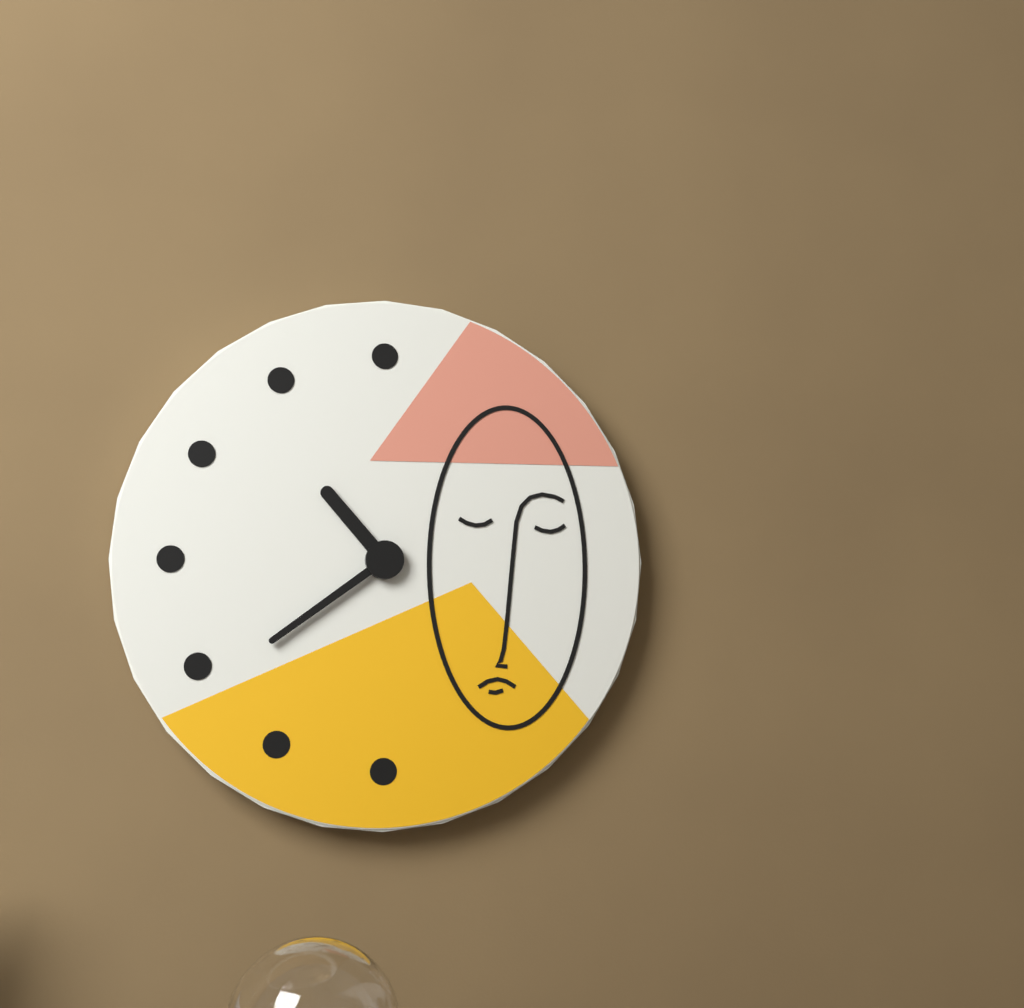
10:39
